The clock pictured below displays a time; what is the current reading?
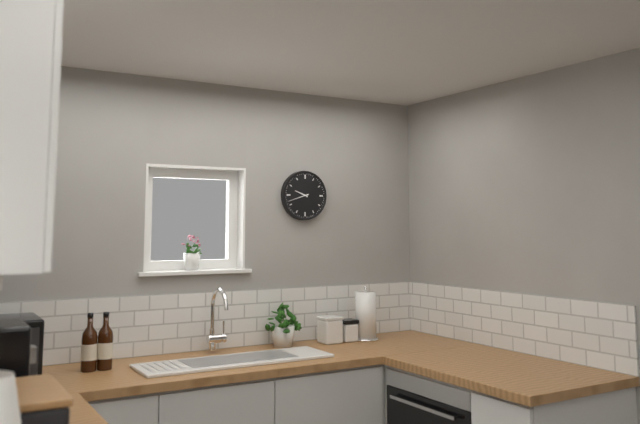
9:42
